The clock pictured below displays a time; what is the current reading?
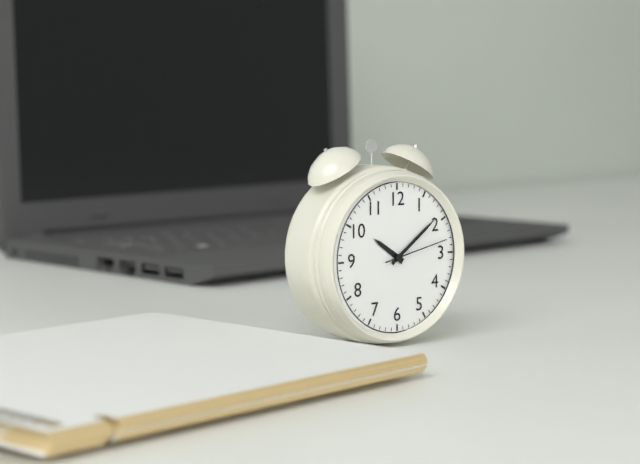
10:09:13
